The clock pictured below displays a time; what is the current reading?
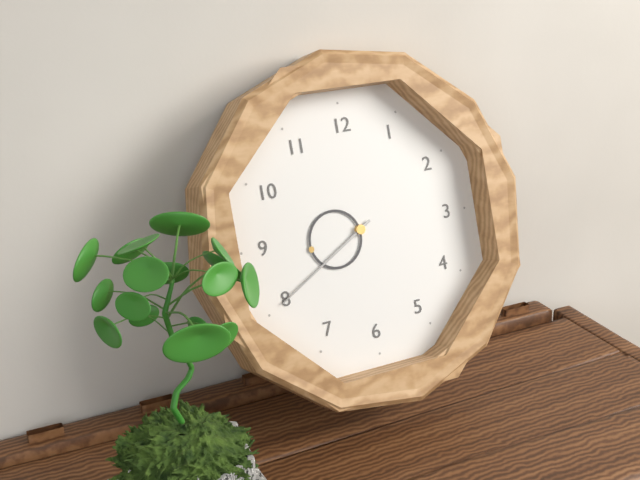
8:40
